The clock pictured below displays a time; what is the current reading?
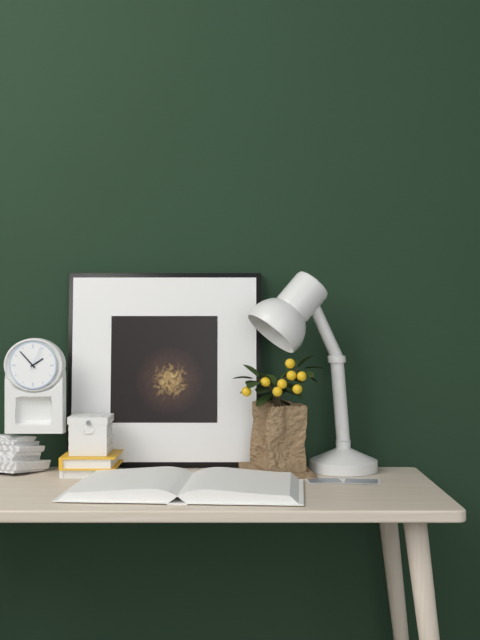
1:53
